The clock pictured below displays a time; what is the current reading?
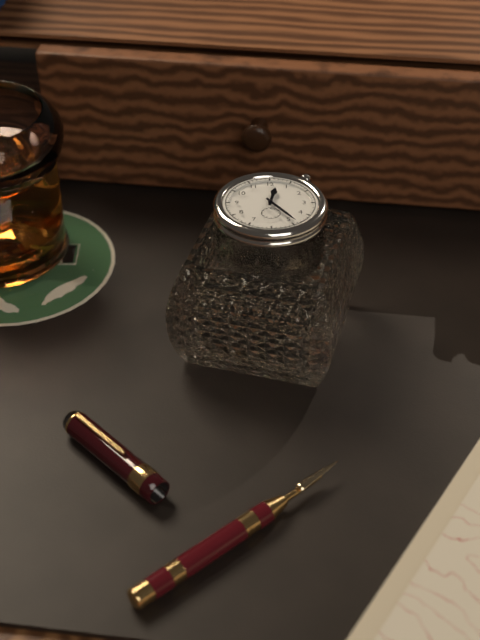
12:24
